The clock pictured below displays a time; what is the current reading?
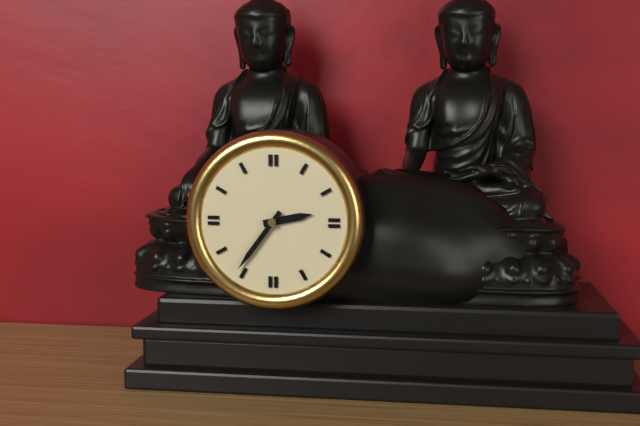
2:36
